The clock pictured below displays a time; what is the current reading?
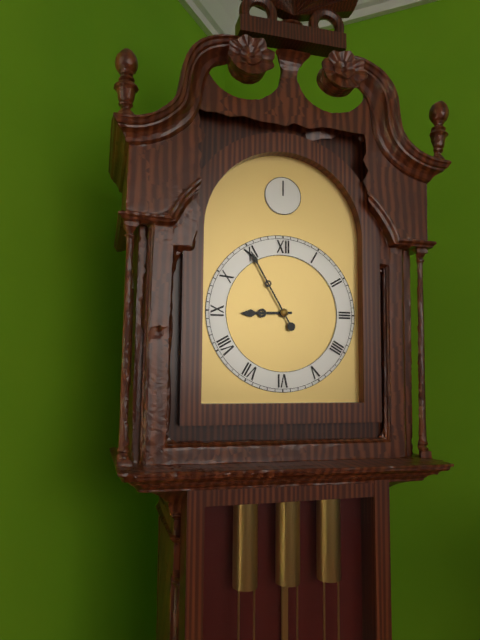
8:55
